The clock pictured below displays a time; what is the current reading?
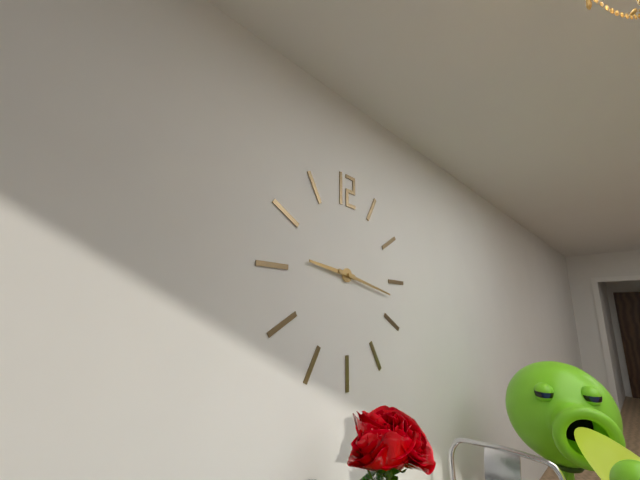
9:17
